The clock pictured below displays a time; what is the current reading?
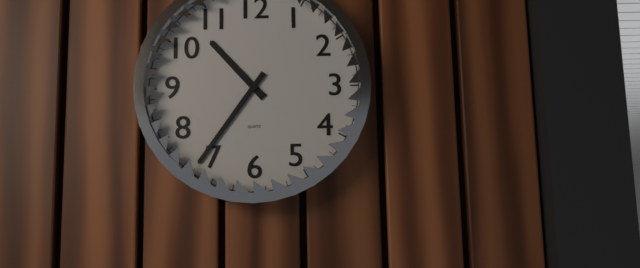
10:36
